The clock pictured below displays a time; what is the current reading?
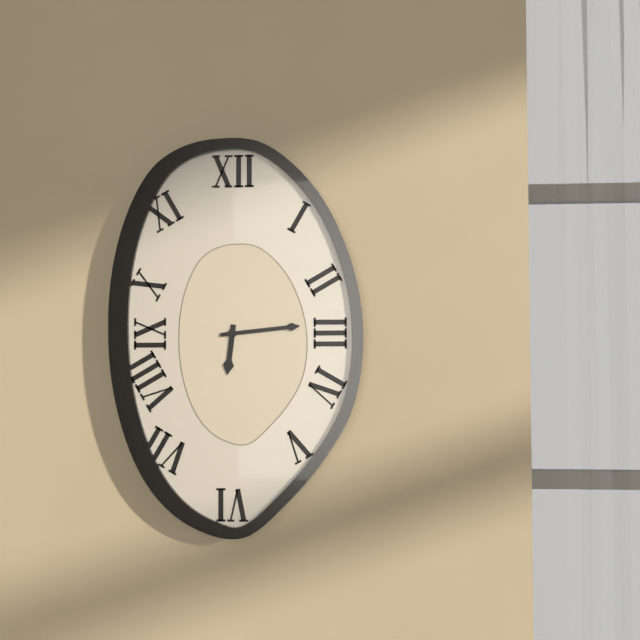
6:14
